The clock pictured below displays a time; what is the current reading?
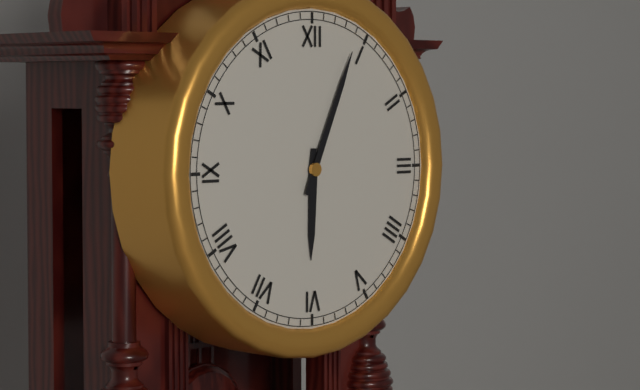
6:04
